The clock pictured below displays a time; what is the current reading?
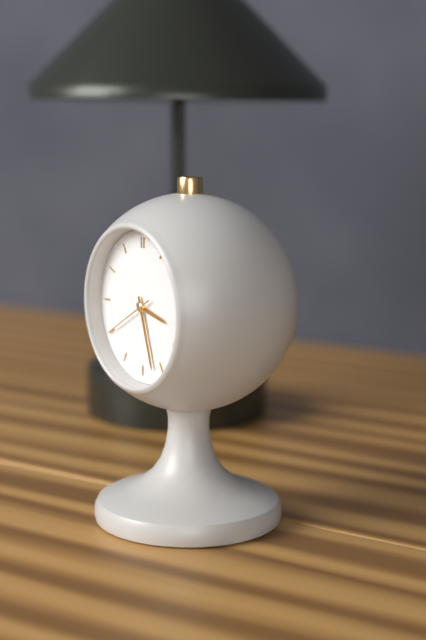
3:27:40
